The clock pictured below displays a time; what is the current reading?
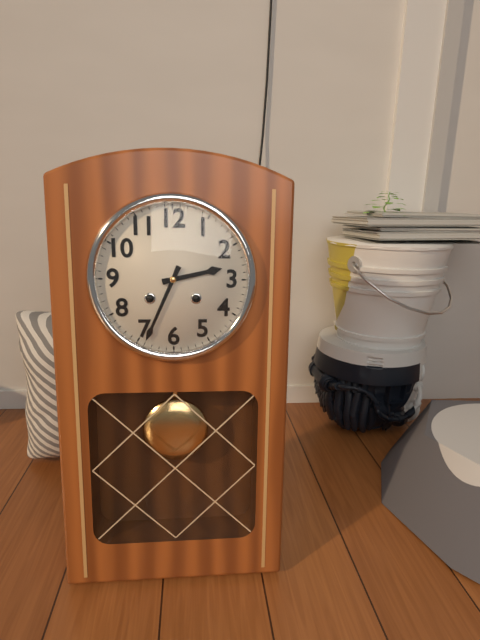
2:34
